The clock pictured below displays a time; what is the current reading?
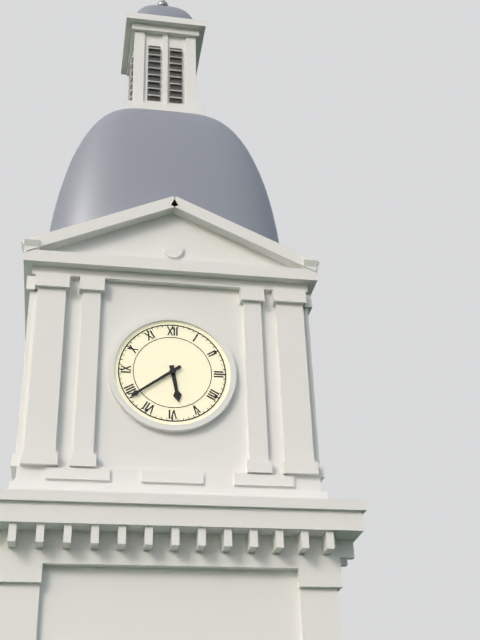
5:39
